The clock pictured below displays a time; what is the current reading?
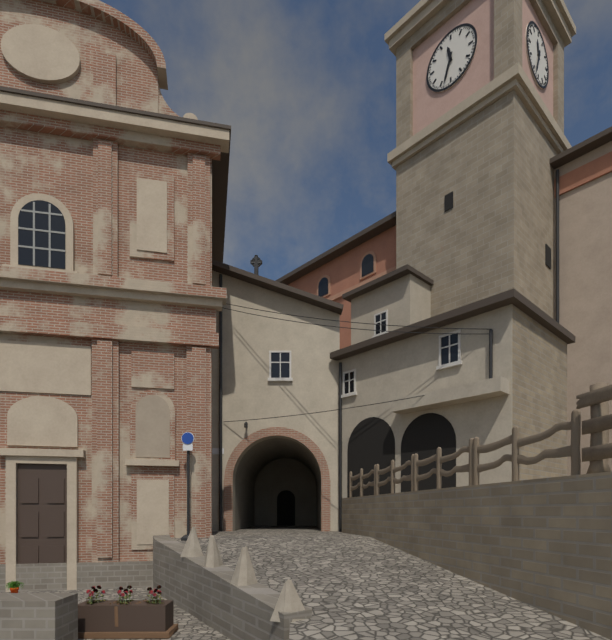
11:33
